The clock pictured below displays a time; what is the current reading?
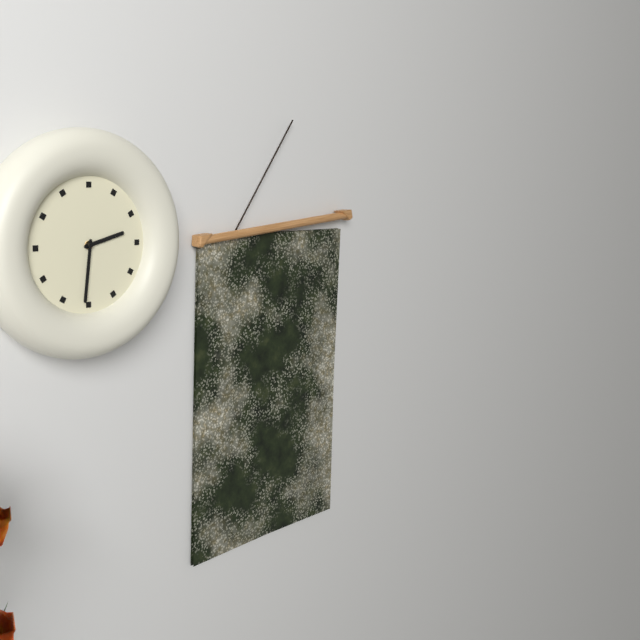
2:31
